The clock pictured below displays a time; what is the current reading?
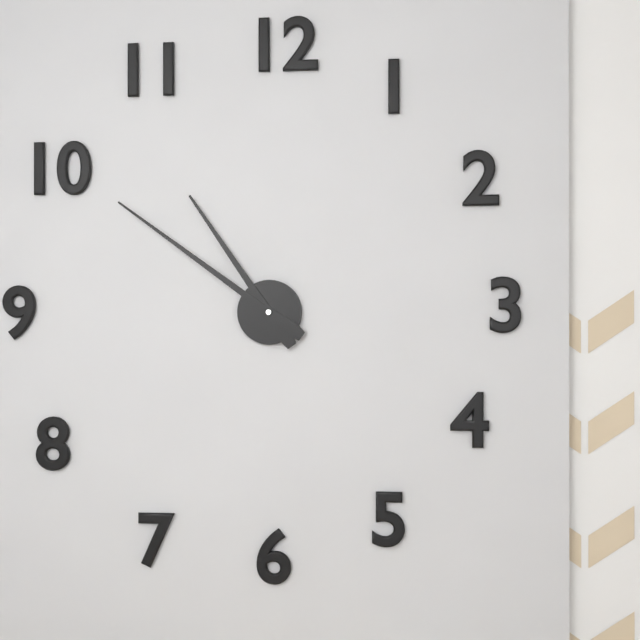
10:51
